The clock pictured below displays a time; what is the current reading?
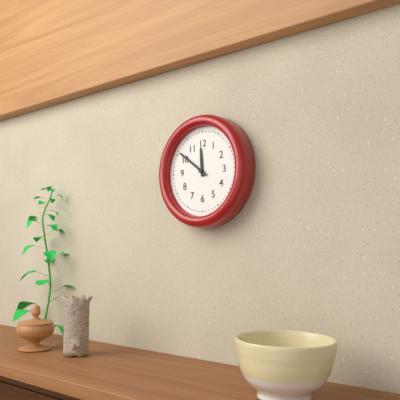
11:51
